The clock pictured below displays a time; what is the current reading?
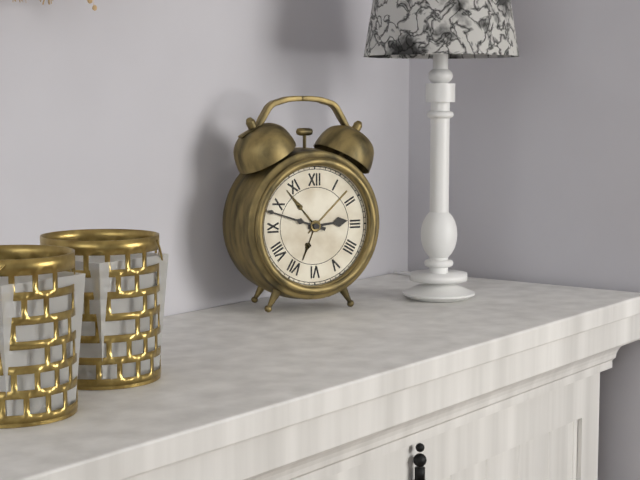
2:48
